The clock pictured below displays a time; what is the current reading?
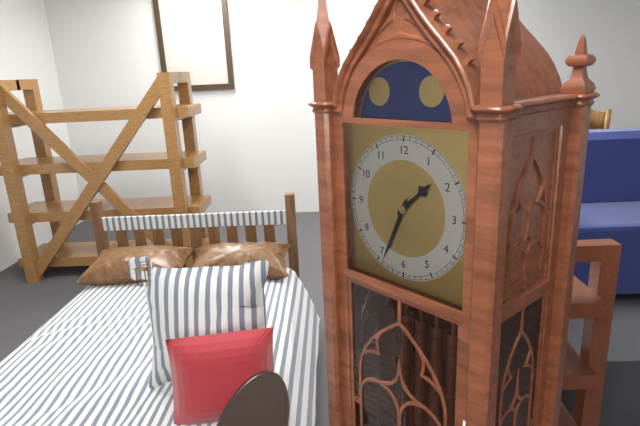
1:34
